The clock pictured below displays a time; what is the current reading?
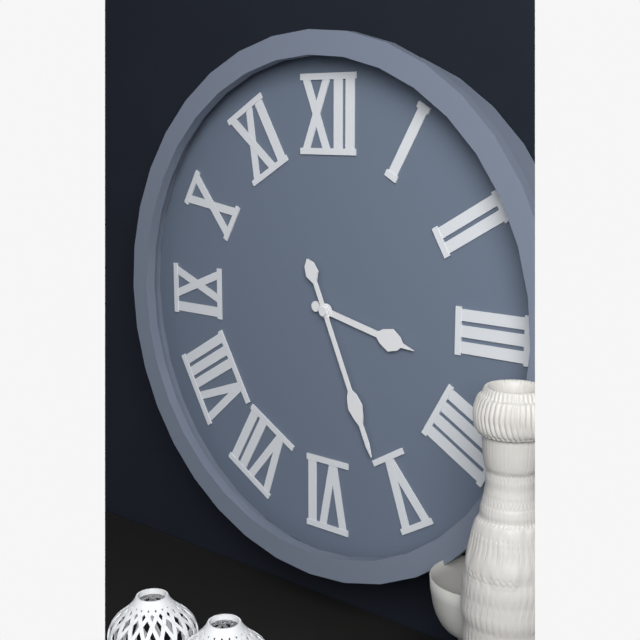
3:26
